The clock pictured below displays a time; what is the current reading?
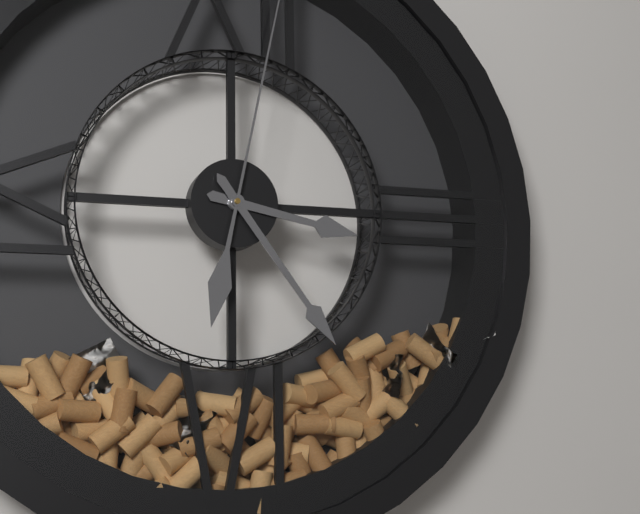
3:24
